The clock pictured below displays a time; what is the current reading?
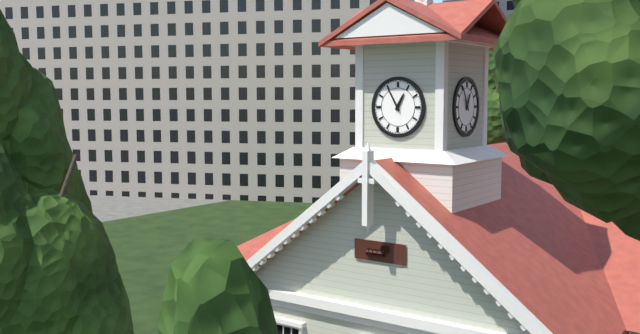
12:55
